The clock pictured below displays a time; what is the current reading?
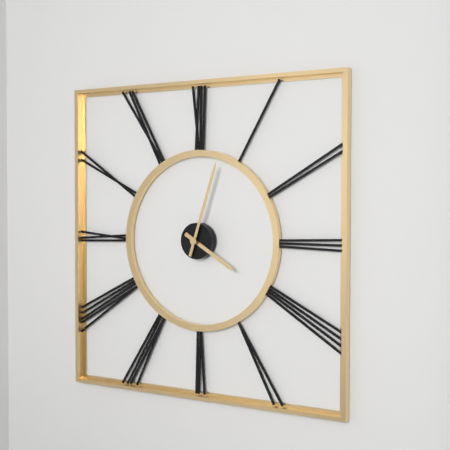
4:03
